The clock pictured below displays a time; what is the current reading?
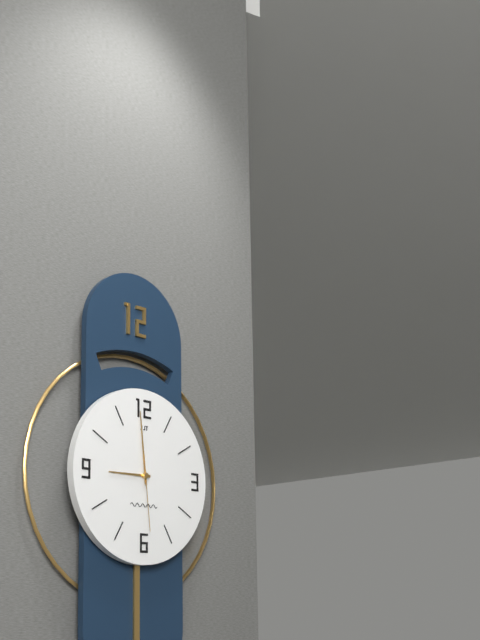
8:59:29
